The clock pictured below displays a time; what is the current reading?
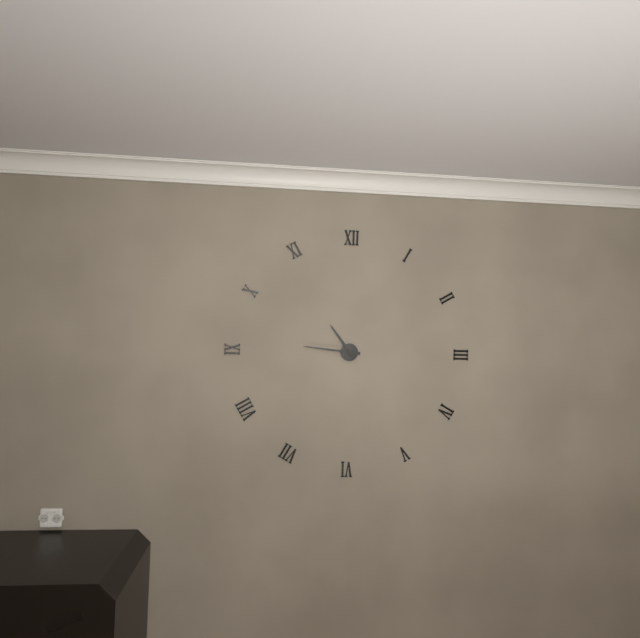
10:46
